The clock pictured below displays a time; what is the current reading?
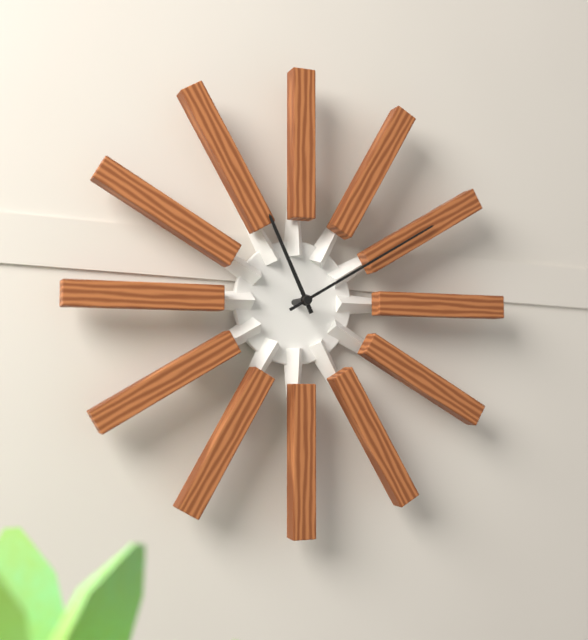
11:10
